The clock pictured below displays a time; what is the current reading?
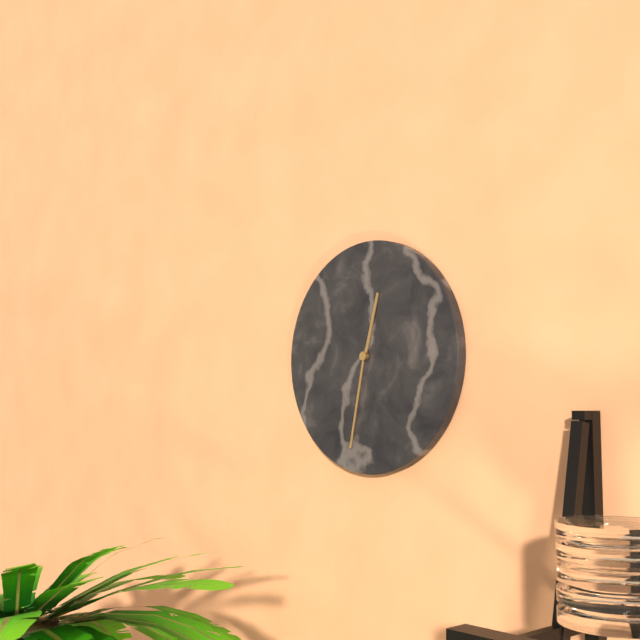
12:32
